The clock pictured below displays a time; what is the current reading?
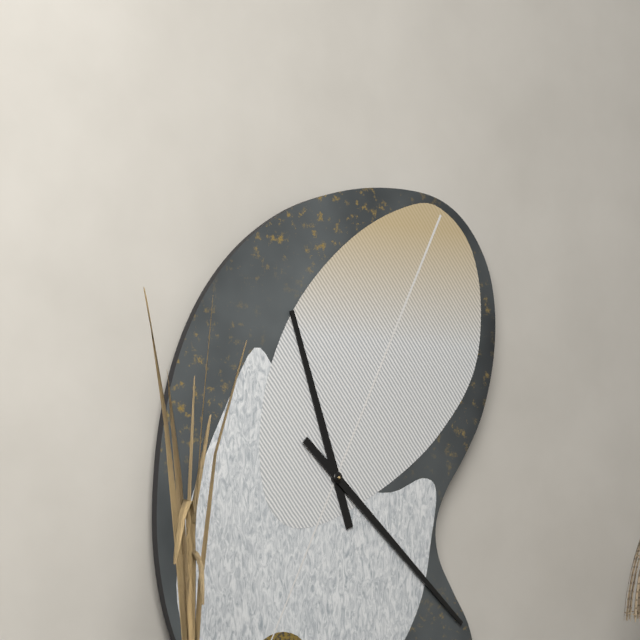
11:22
